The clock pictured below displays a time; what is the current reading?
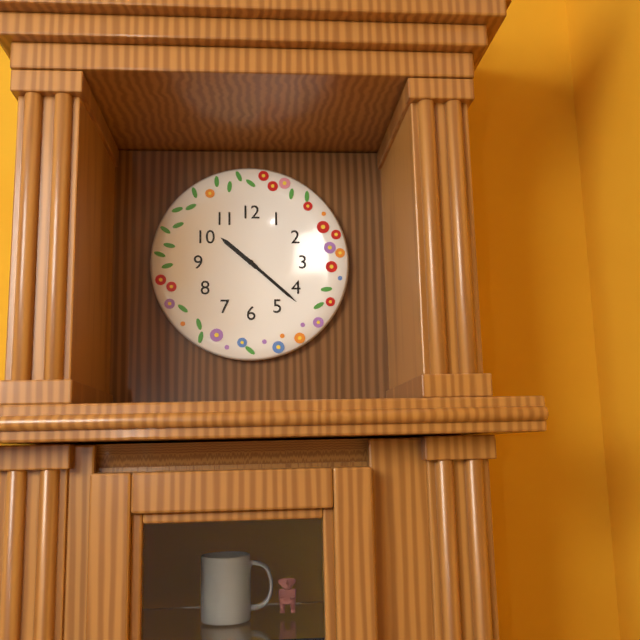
10:22
